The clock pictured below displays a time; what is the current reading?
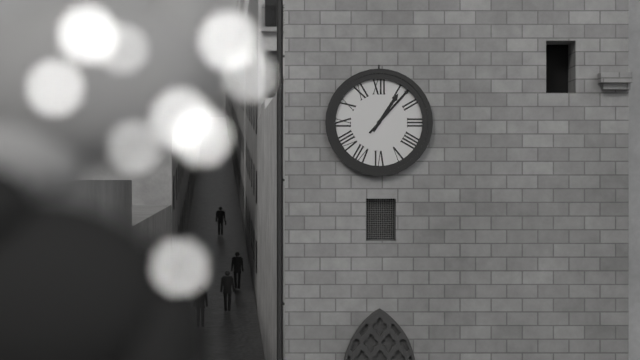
1:07
